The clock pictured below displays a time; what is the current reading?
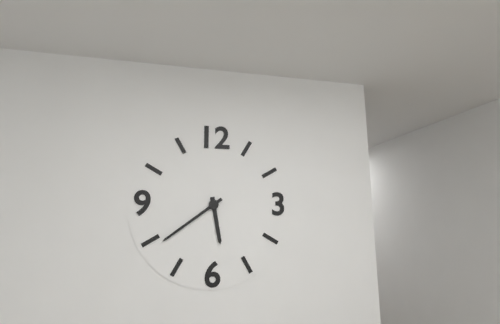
5:39
